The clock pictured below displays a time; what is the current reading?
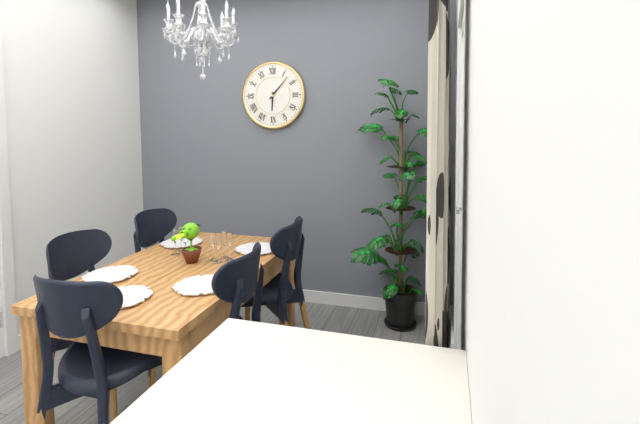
6:07
